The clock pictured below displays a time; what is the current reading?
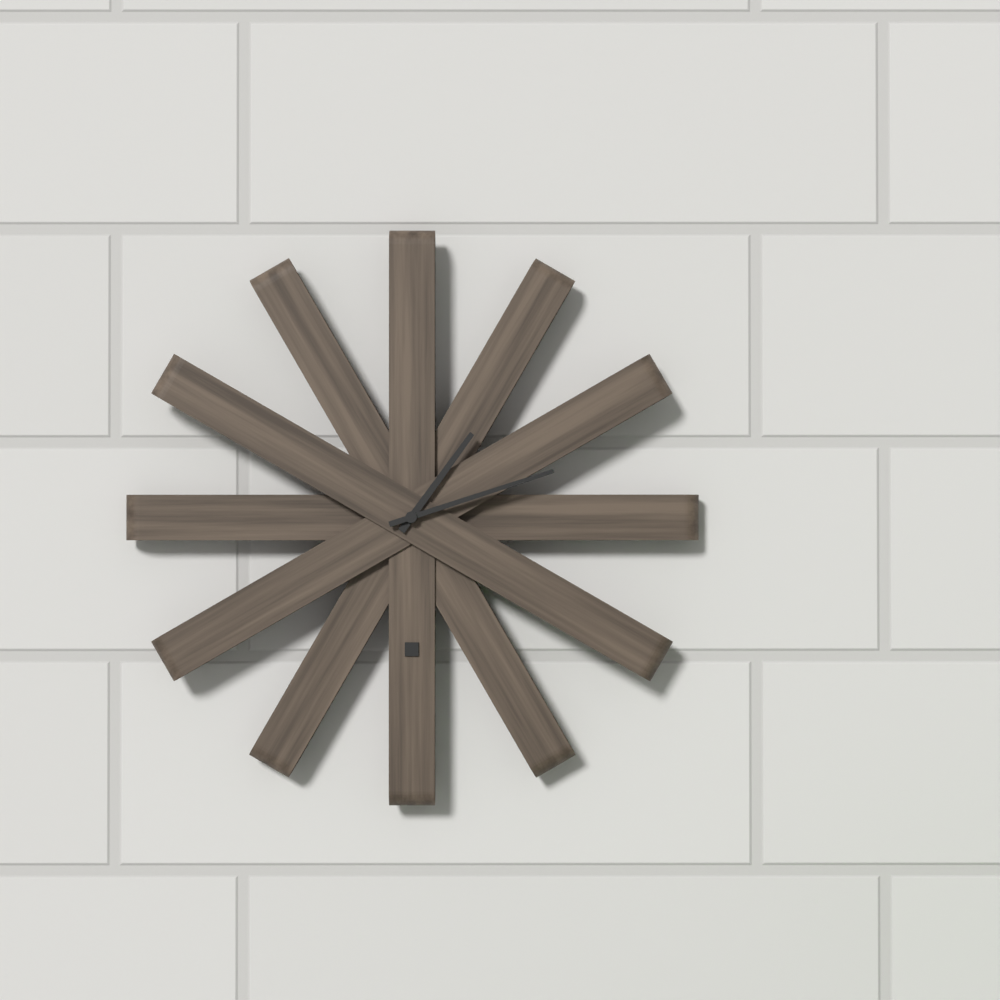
1:12
